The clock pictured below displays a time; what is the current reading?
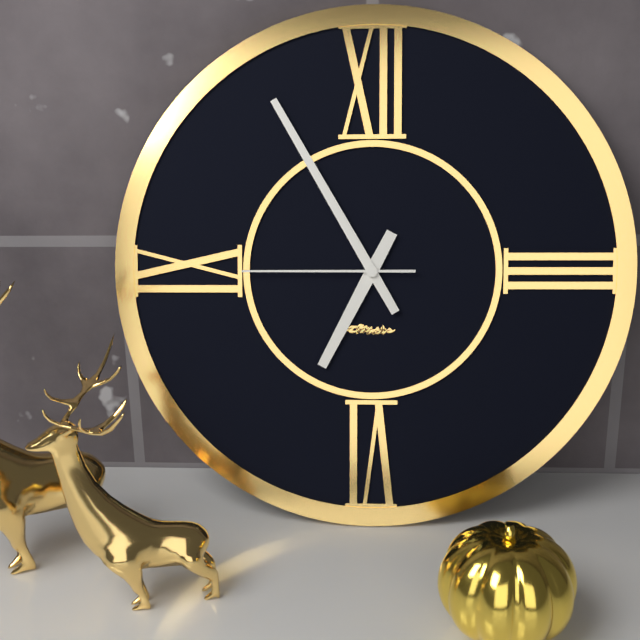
6:55:45
